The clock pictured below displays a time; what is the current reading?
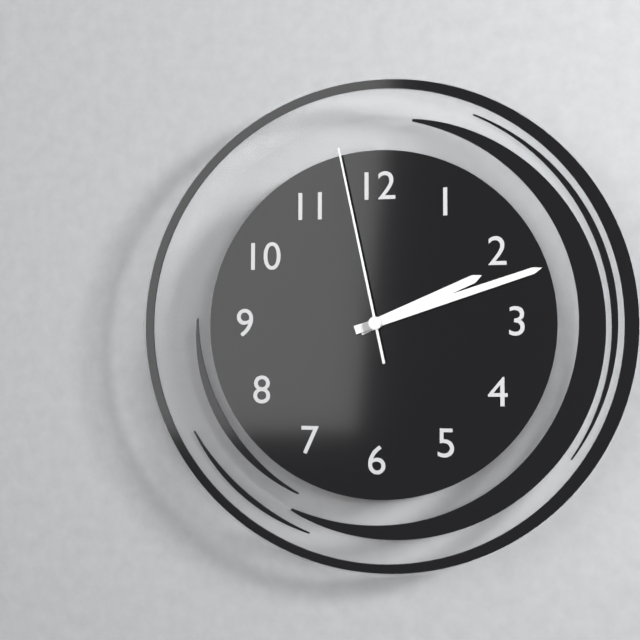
2:12:58
